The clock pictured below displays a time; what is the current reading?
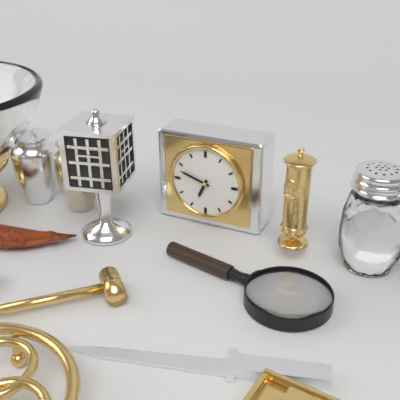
6:48
